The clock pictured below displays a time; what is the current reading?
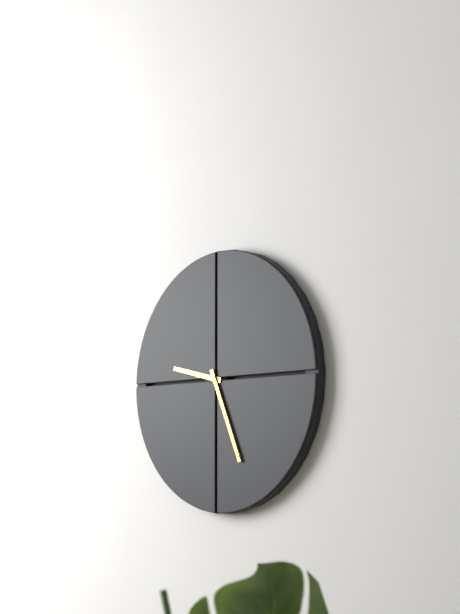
9:26
